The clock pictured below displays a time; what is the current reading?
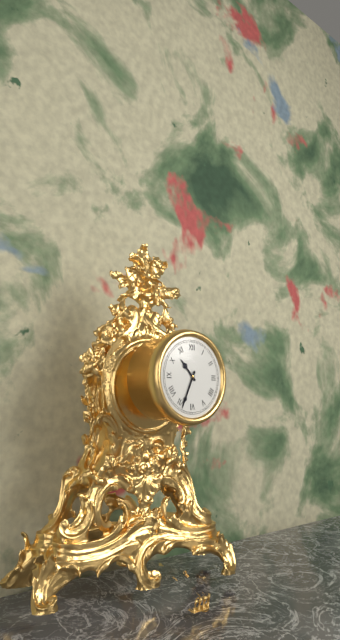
10:34
